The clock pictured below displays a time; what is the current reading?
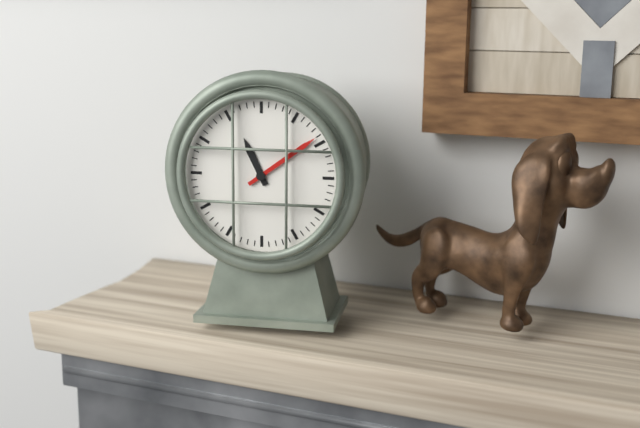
11:09
